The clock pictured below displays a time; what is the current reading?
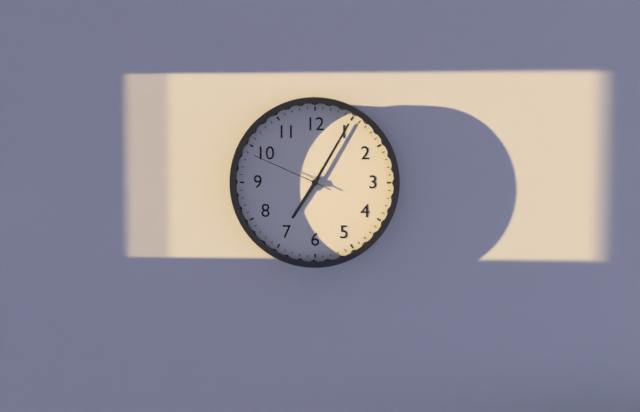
7:05:49
